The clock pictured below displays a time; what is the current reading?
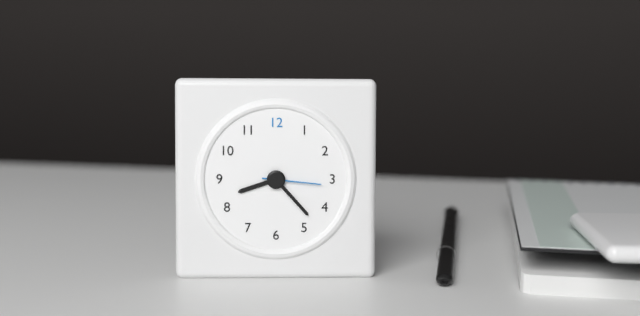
8:23:16
